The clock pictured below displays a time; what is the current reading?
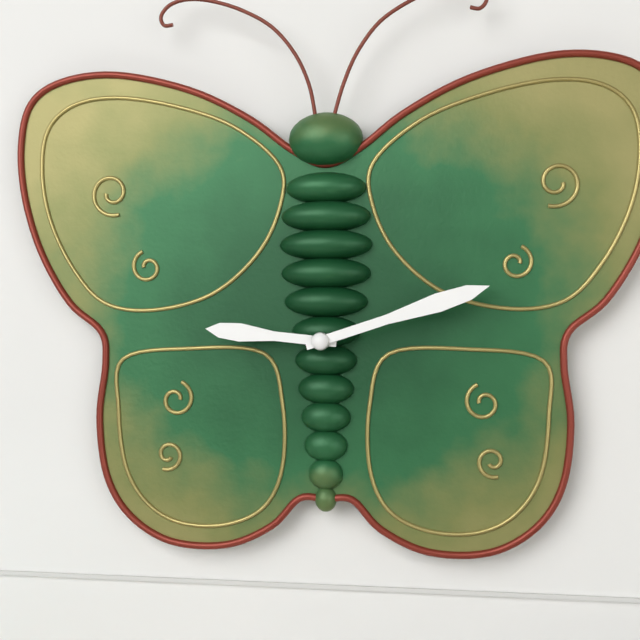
9:12
